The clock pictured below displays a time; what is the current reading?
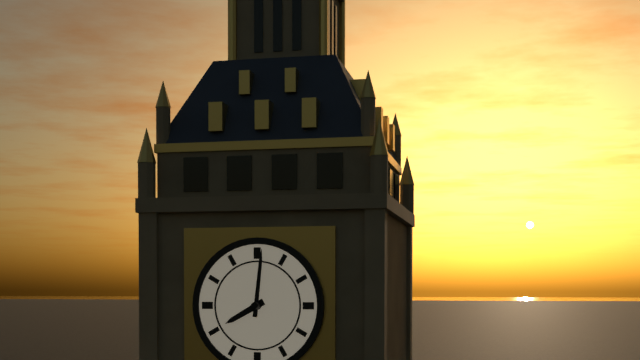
8:01
